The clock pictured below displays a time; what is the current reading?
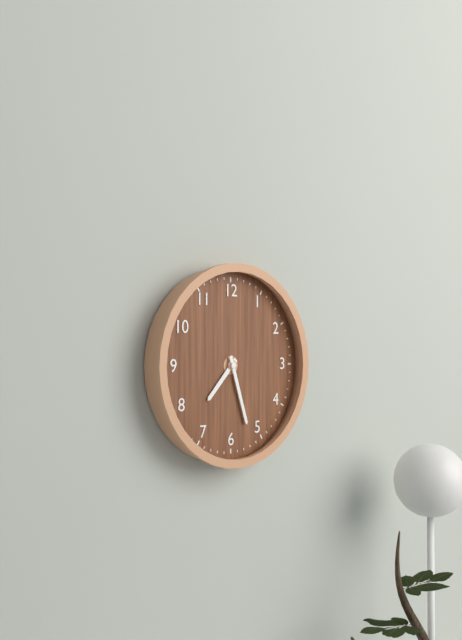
7:27
